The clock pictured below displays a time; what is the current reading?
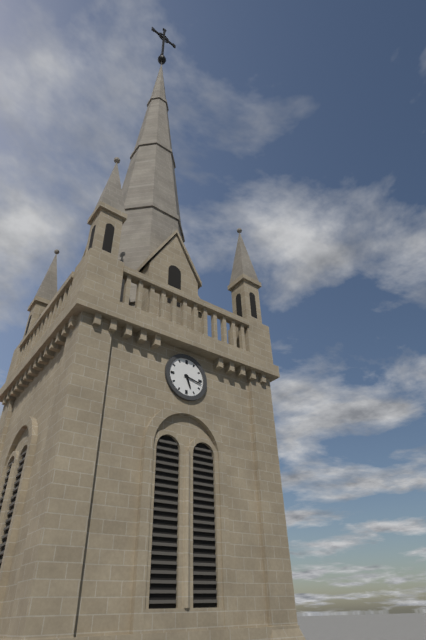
5:17
